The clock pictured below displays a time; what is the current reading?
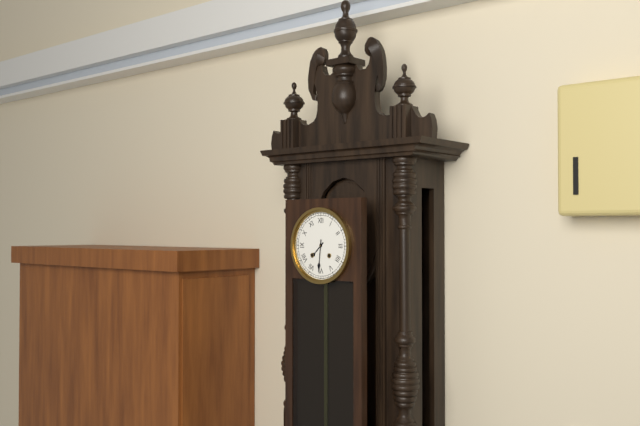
7:31
